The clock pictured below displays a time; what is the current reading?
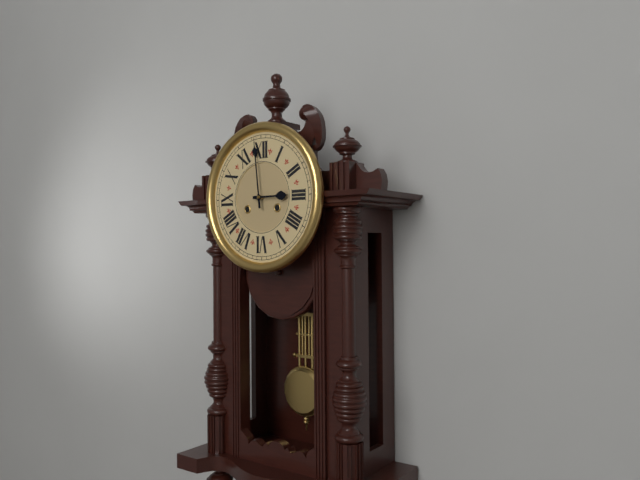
2:59
